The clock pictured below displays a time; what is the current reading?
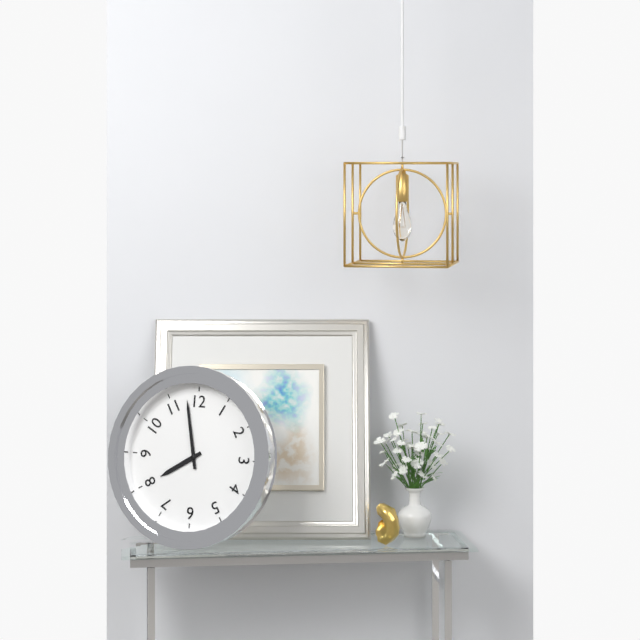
7:58
